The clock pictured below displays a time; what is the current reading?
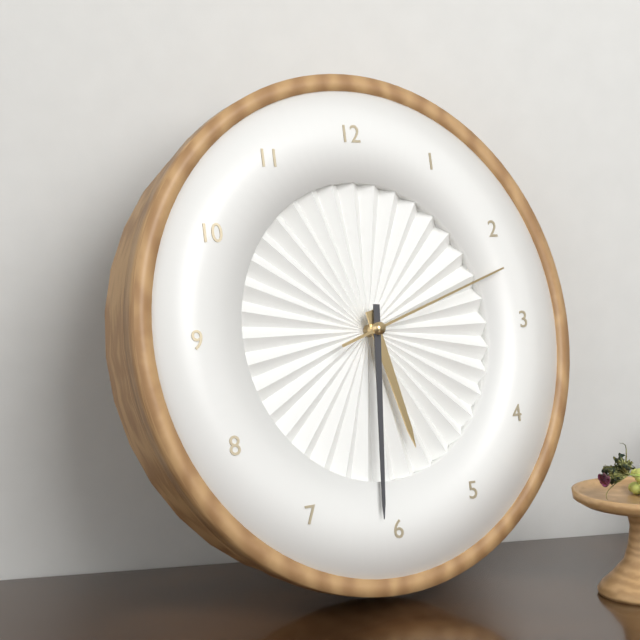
5:31:12
